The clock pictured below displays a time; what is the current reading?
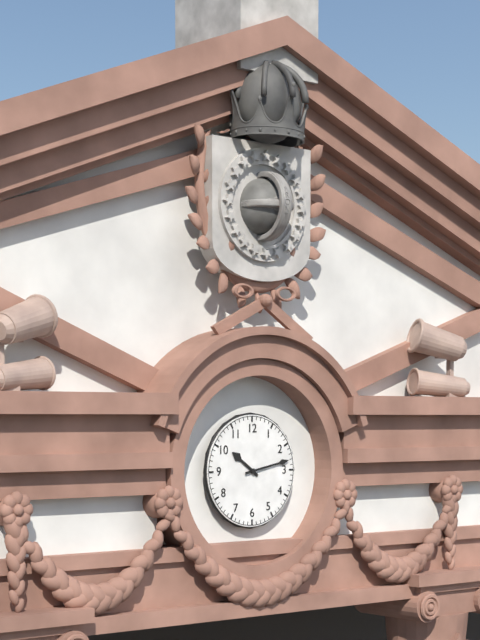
10:13
